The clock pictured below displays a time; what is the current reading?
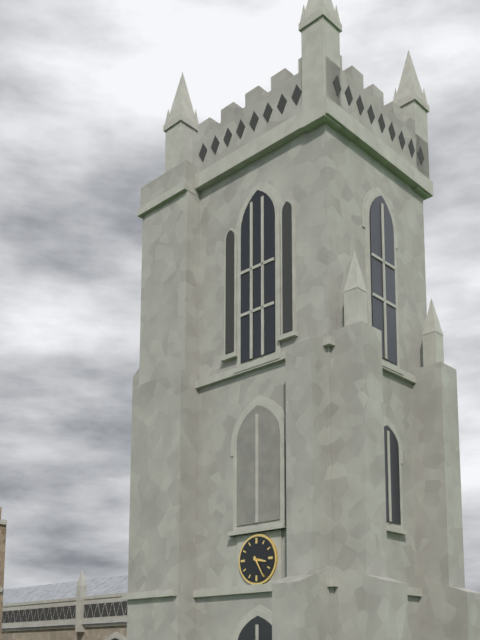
3:25
